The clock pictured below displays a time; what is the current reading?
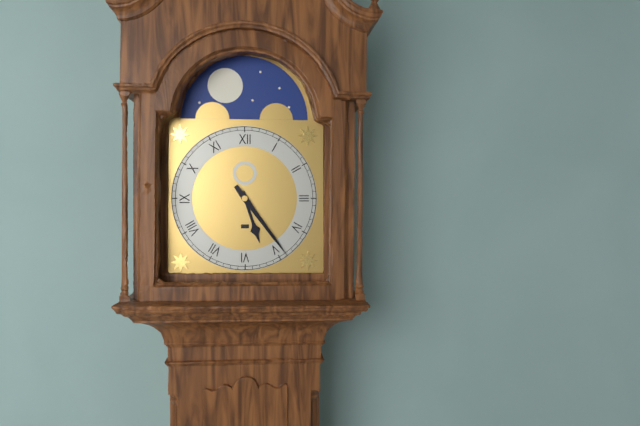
5:24
